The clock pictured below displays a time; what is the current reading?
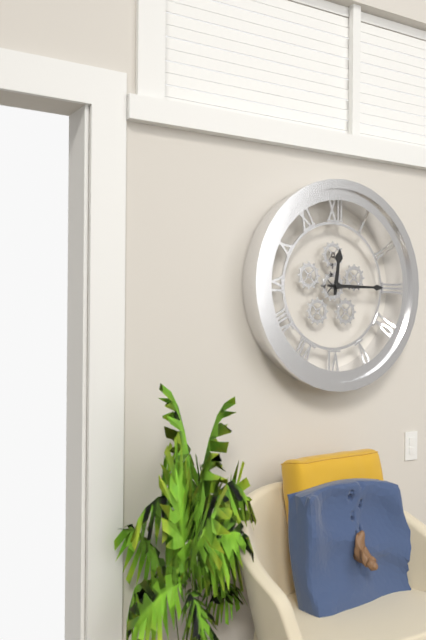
12:15
